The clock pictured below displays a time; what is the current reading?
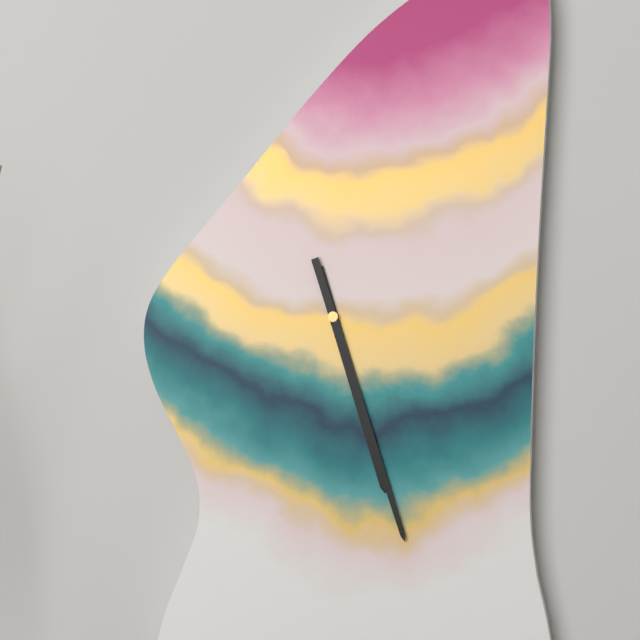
5:27
